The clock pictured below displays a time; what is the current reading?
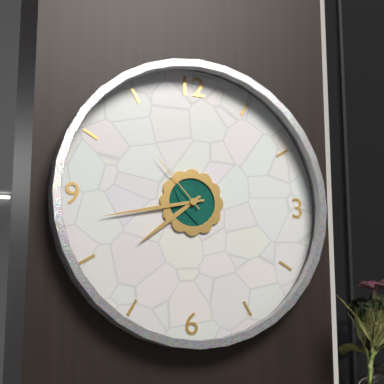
7:43:53
